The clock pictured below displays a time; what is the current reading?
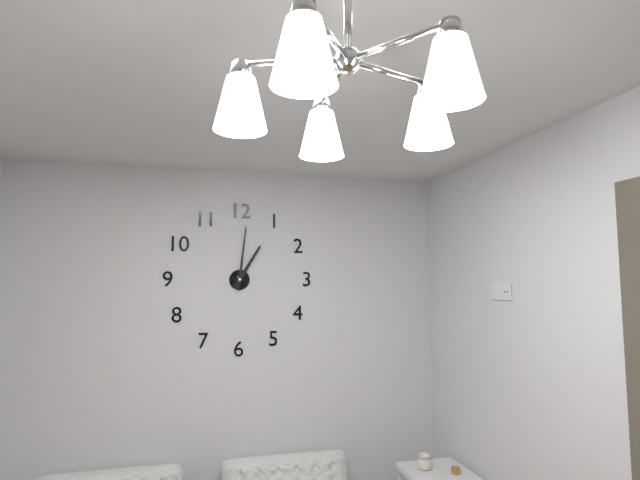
1:01
